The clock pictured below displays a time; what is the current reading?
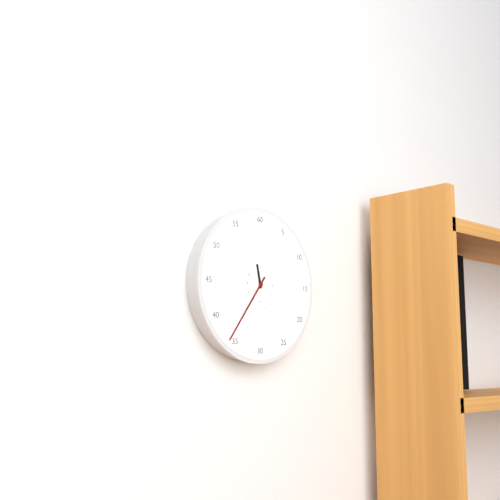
11:36
